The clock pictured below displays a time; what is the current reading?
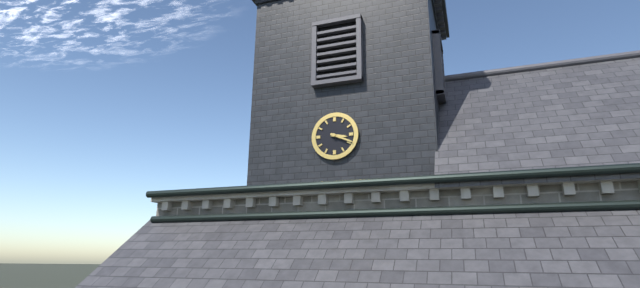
3:19
